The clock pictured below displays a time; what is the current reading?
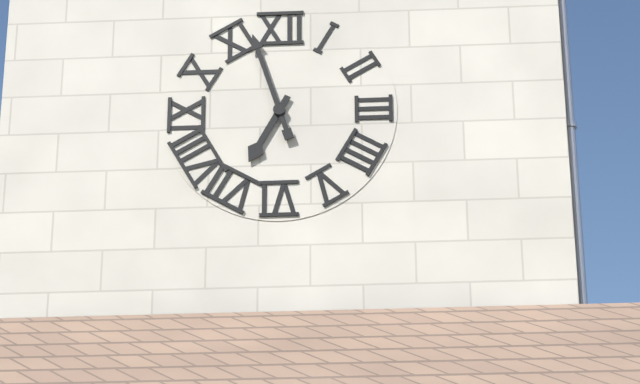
6:57
